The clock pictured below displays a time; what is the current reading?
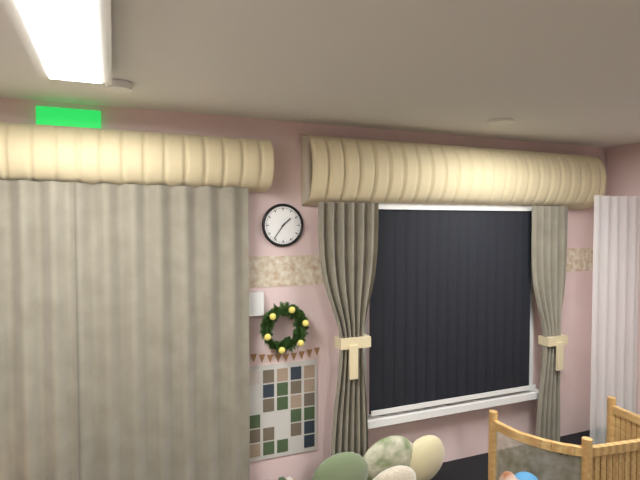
1:36
